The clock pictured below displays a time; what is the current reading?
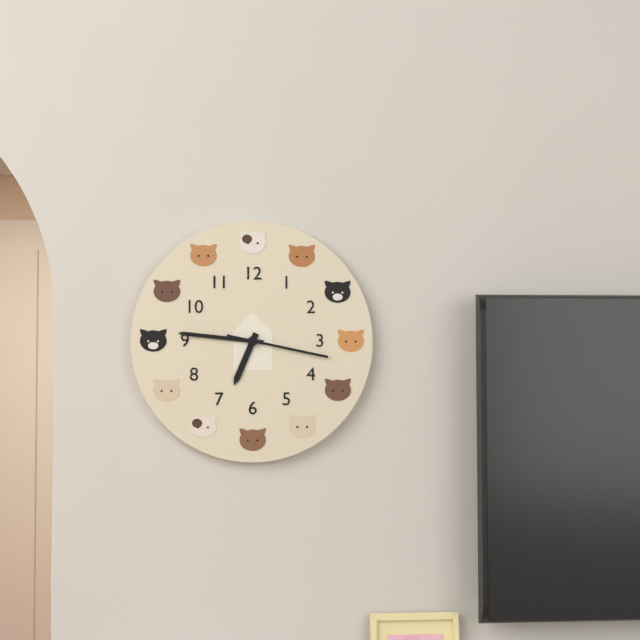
6:46:17
